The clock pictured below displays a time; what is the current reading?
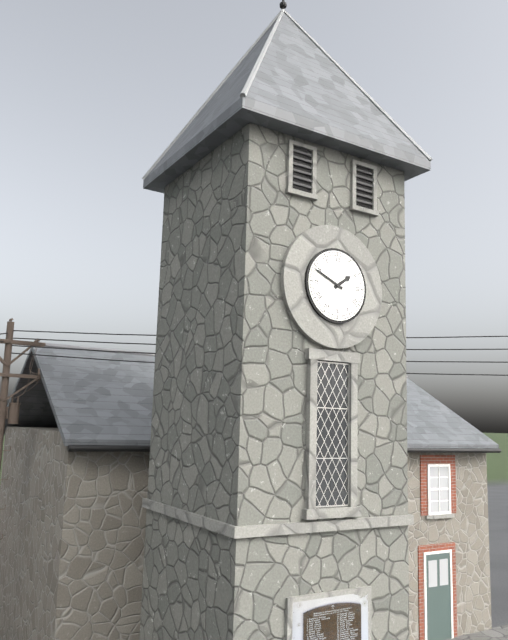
1:49
